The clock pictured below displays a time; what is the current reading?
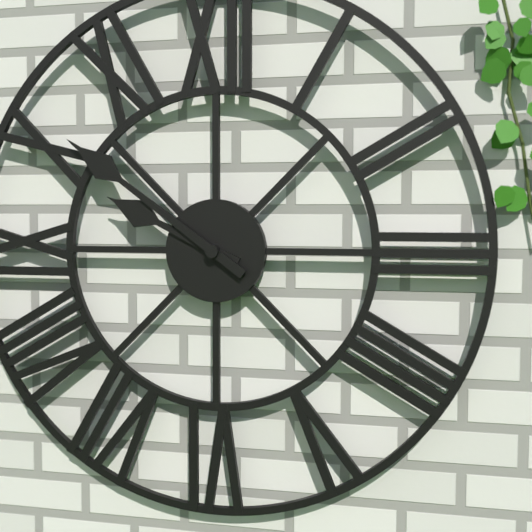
9:51
